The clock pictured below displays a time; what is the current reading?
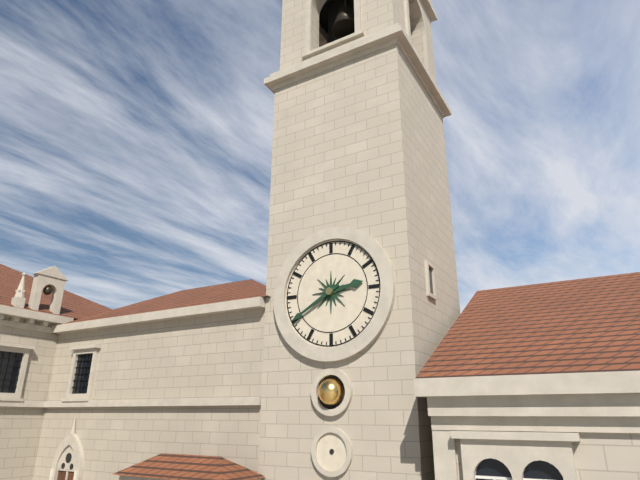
2:40
